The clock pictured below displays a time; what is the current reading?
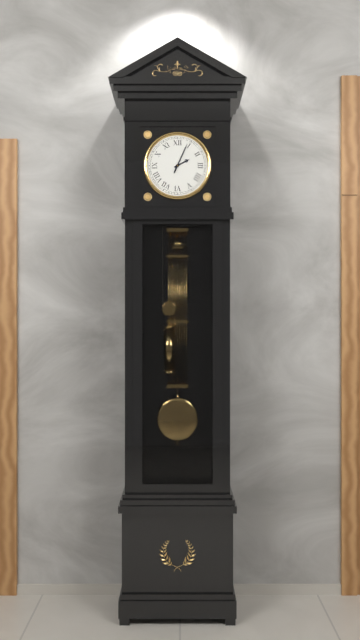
2:04
